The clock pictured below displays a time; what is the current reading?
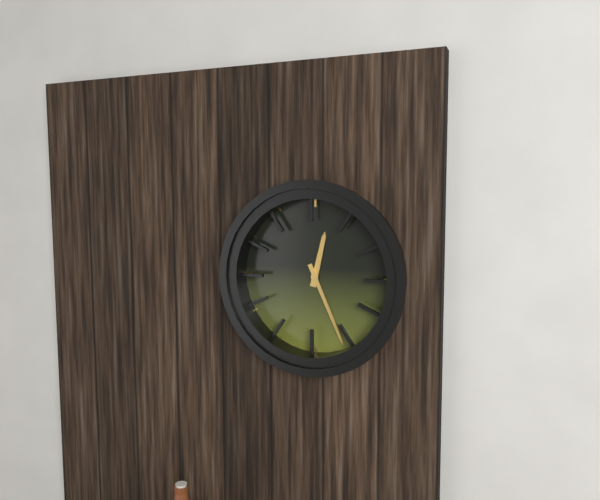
12:26
